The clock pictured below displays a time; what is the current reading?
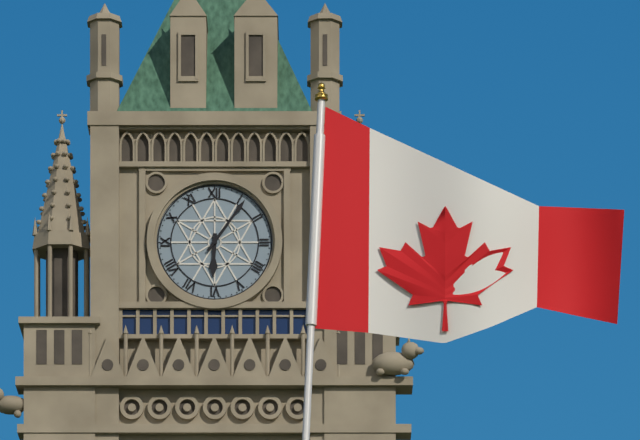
6:06
